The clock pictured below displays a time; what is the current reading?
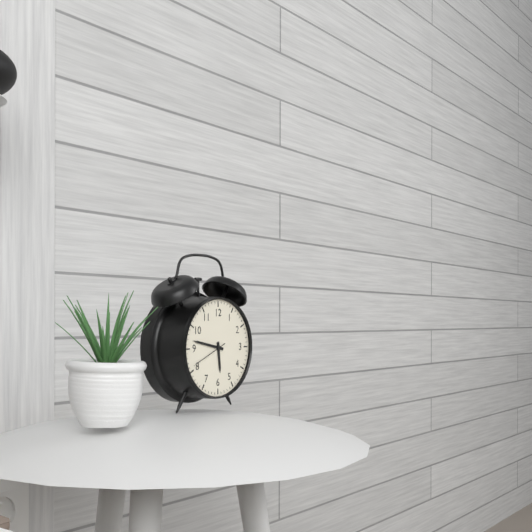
5:47
